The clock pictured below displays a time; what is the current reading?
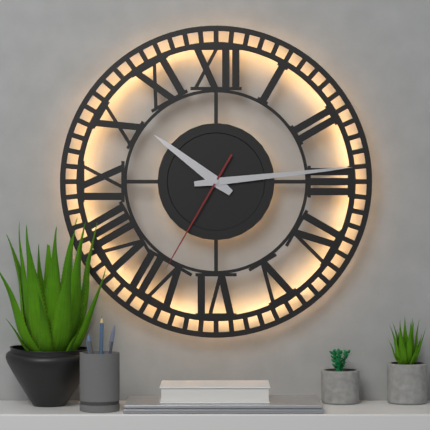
10:14:35
